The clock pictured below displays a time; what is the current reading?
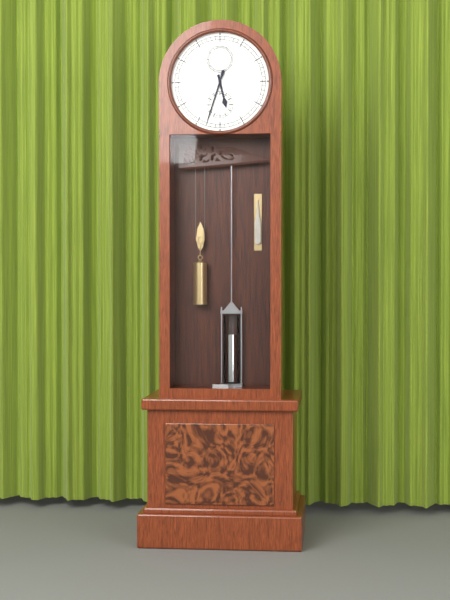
5:33
